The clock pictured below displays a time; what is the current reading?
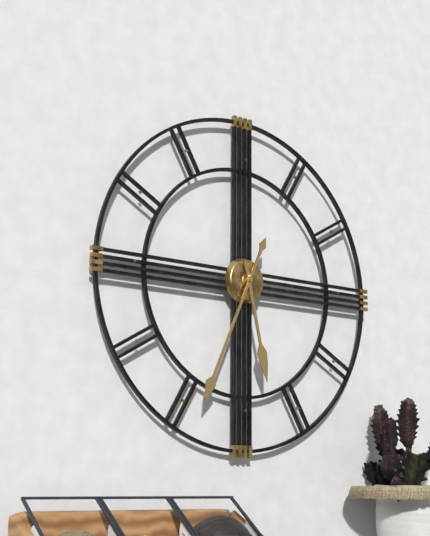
5:34
